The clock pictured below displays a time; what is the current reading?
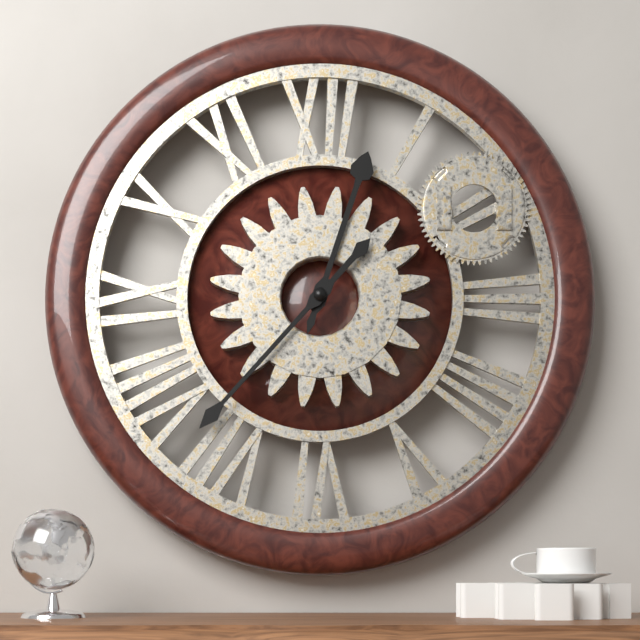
12:37
